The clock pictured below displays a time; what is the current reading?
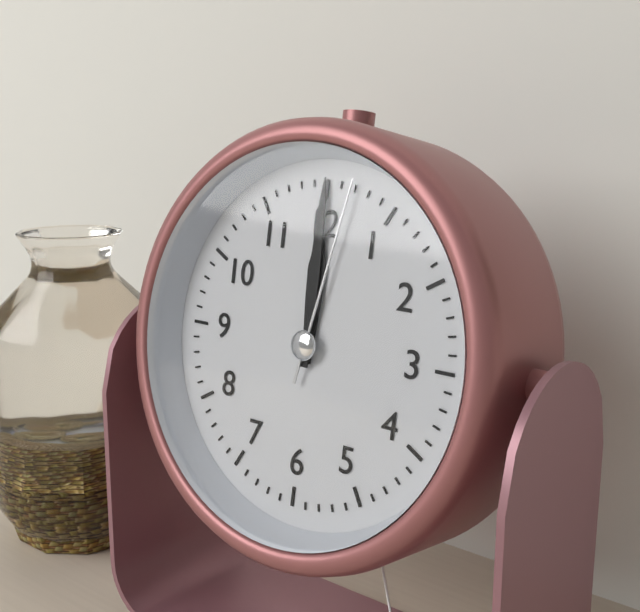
12:00:02
